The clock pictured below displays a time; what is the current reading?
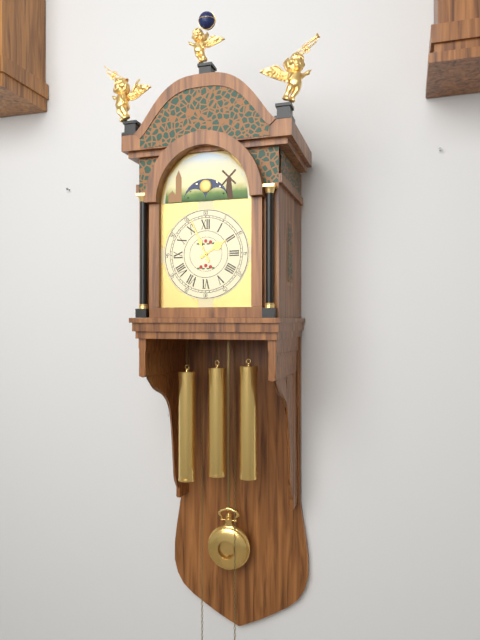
1:56
